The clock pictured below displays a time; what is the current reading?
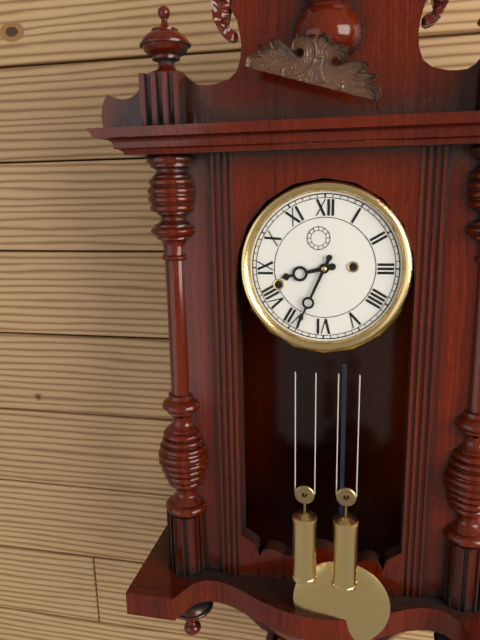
8:34
